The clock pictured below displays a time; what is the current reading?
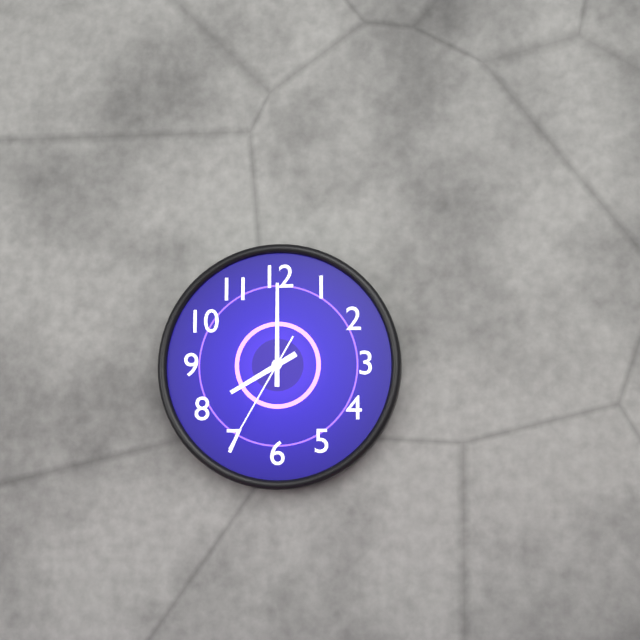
8:00:35
